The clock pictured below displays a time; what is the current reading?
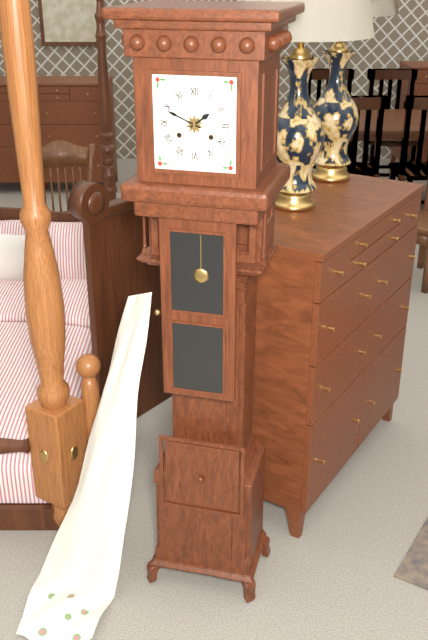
1:49
